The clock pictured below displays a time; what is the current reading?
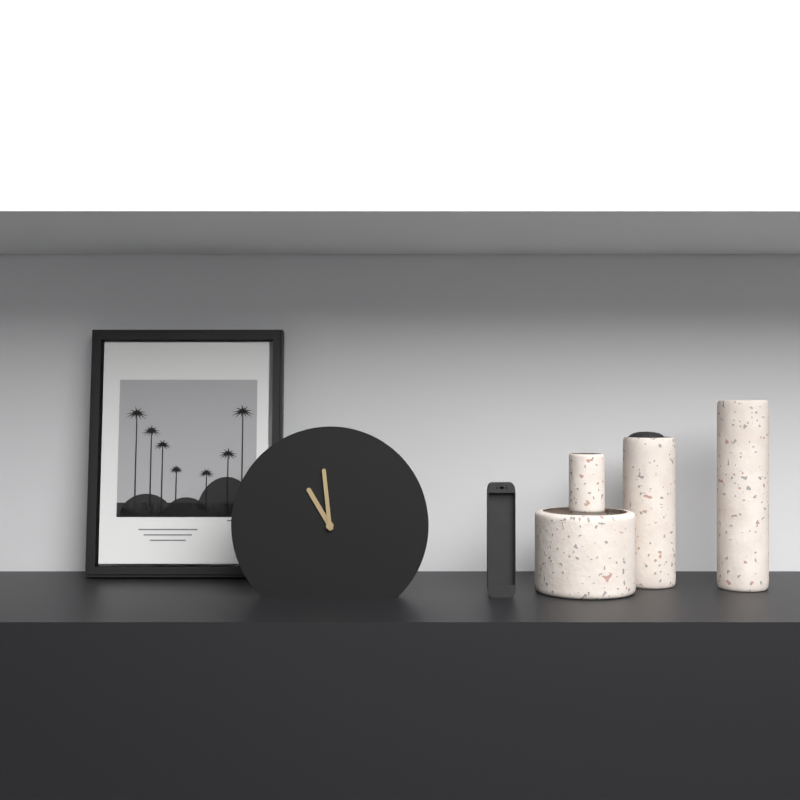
10:59
